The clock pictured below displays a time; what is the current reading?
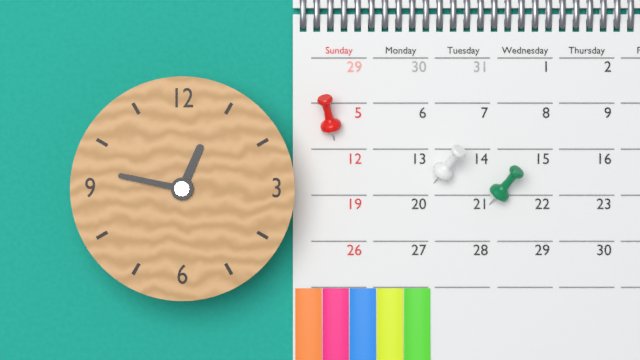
12:47
